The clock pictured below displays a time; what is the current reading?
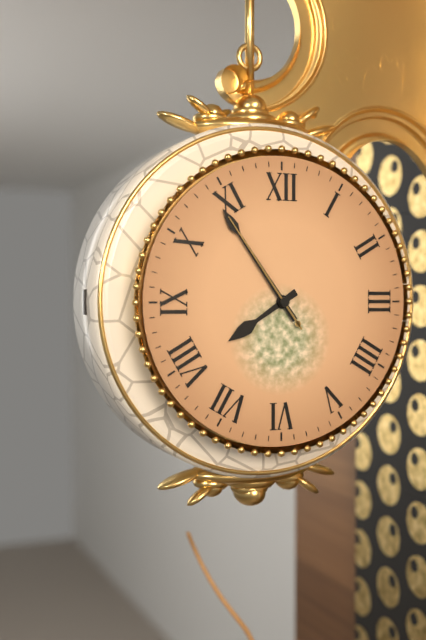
7:54:54
